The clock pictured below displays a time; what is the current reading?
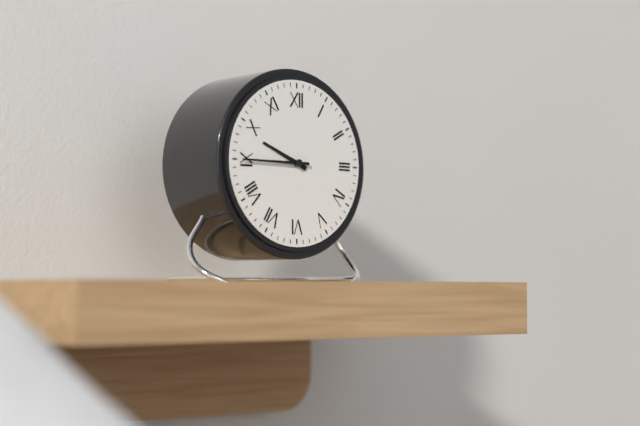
9:45
